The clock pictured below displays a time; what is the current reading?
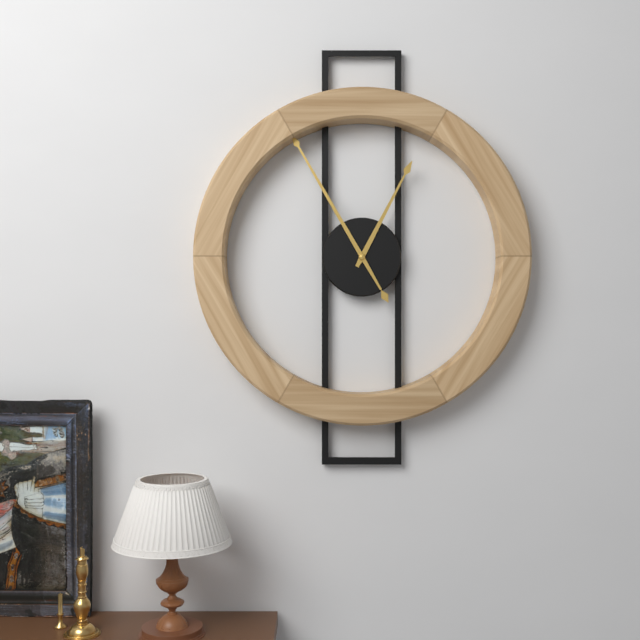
12:55
